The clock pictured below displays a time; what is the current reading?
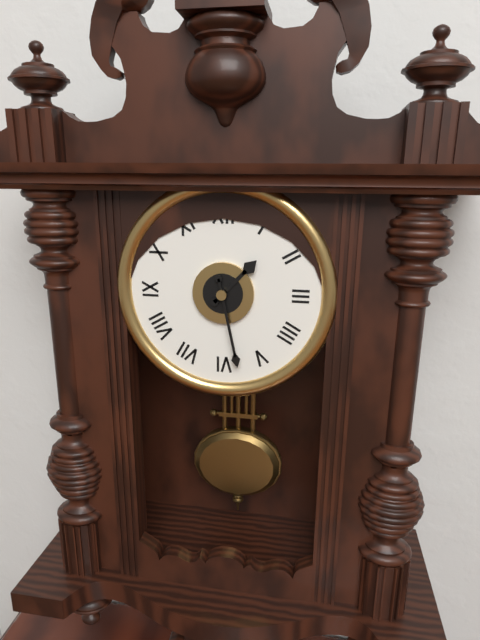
1:28
